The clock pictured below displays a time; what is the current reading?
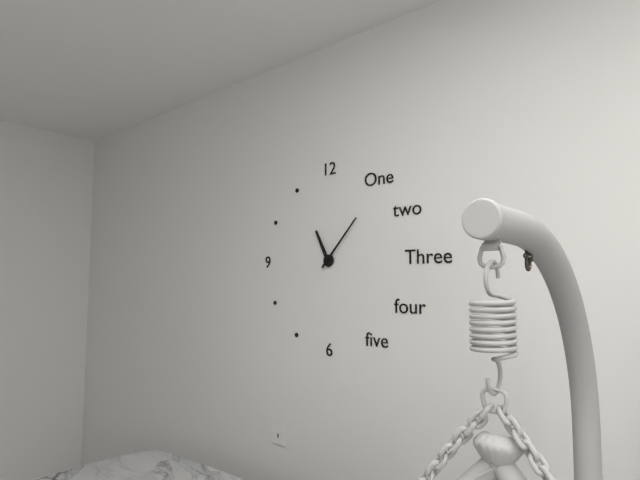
11:07
